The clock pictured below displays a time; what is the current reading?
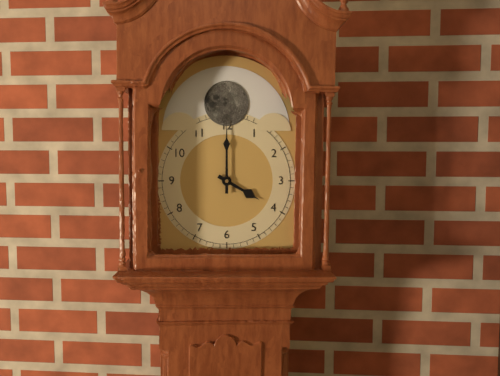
4:00
